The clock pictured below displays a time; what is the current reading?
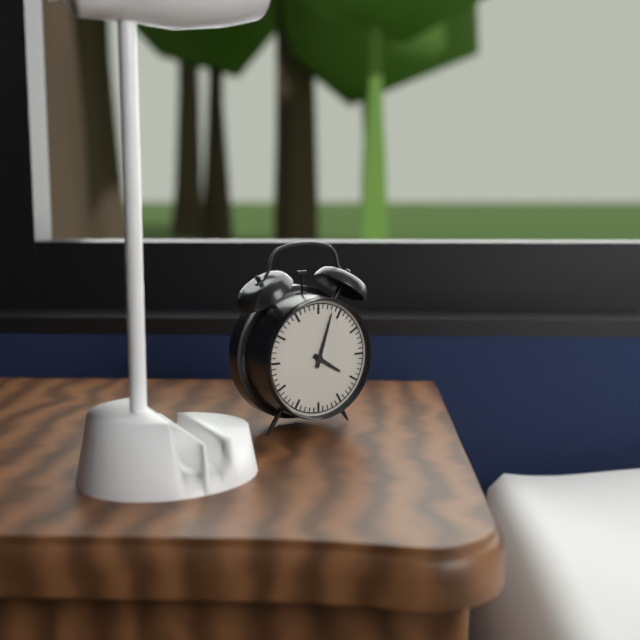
4:03
